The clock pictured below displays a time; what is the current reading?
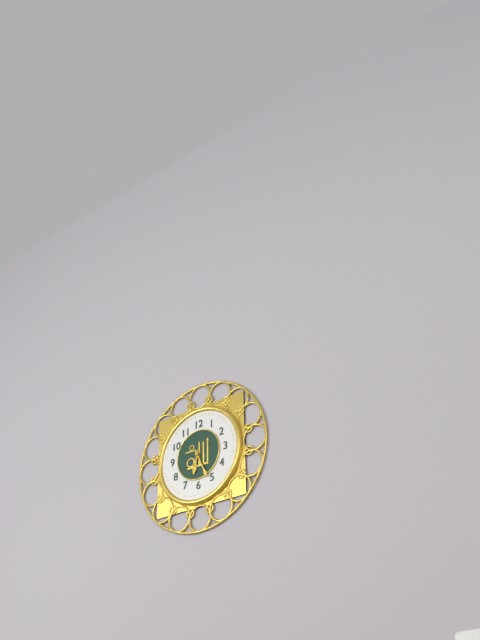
6:26
